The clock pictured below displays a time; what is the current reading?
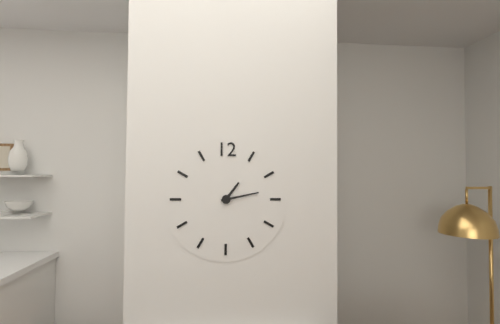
1:13
